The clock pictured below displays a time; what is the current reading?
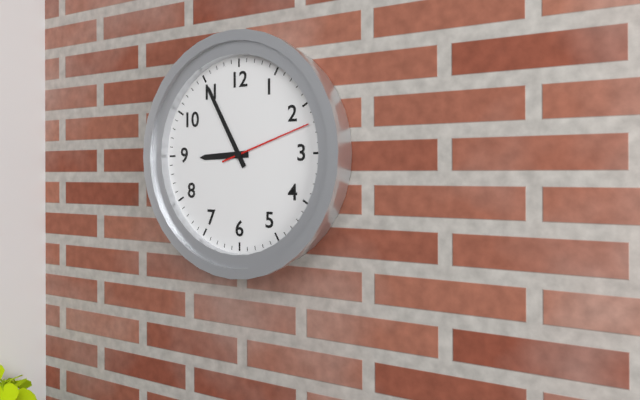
8:55:12
